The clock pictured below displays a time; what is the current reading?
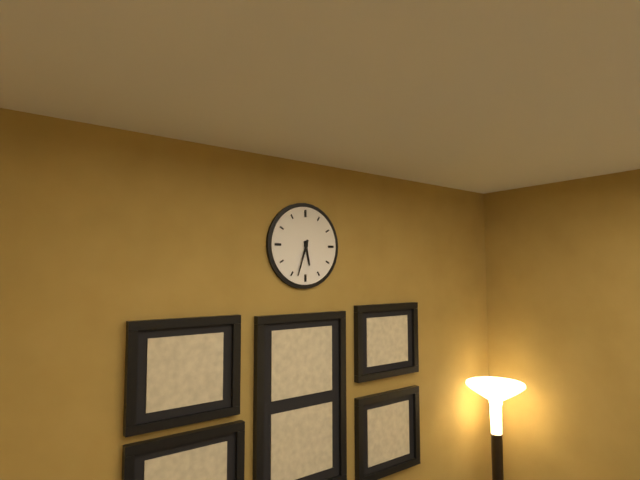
5:33
